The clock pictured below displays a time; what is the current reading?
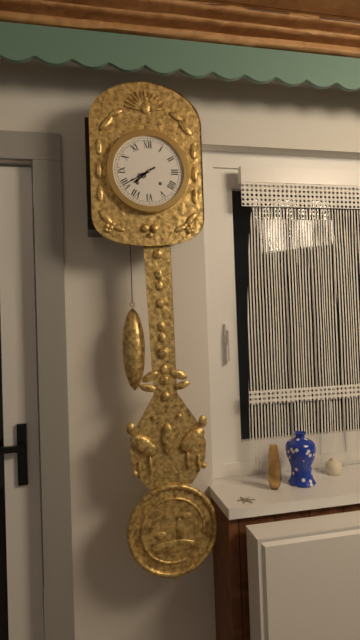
7:40
